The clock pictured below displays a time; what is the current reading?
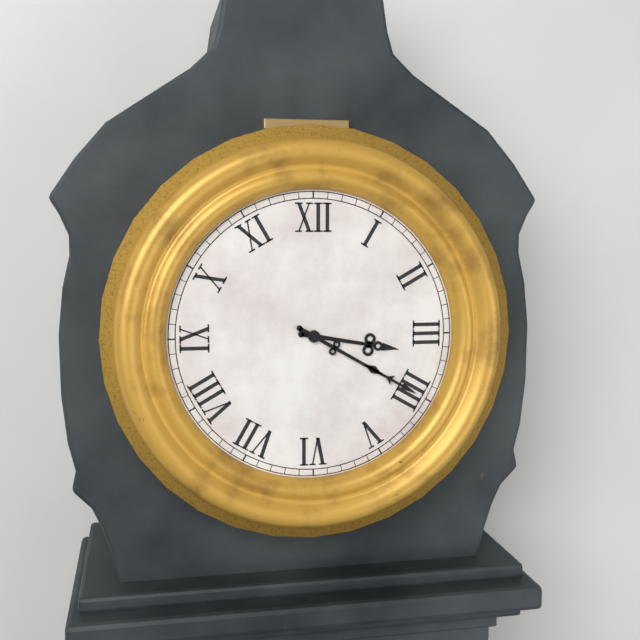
3:20
